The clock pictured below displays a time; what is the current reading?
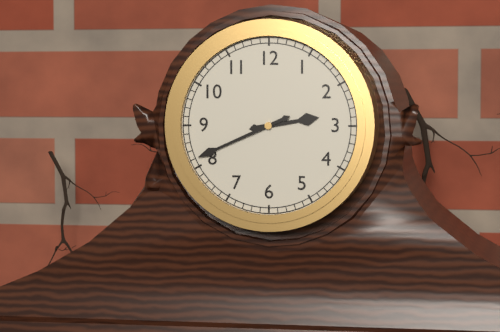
2:41
